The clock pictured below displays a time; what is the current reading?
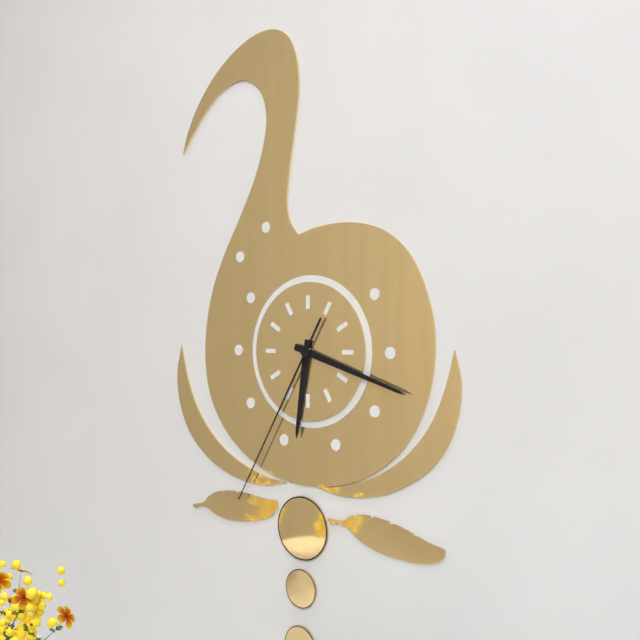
6:18:35
